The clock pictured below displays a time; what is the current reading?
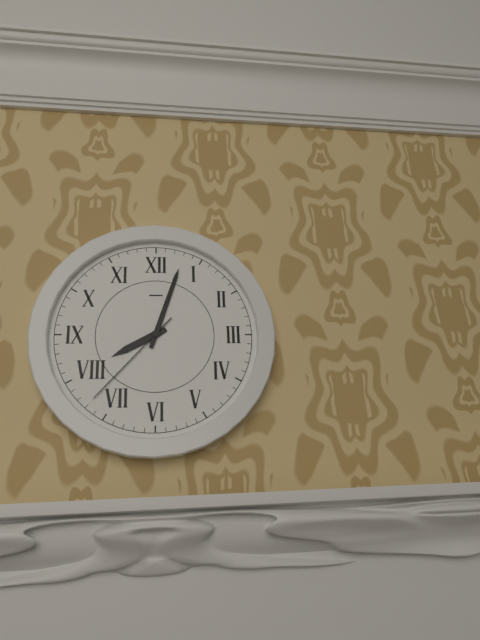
8:03:37
